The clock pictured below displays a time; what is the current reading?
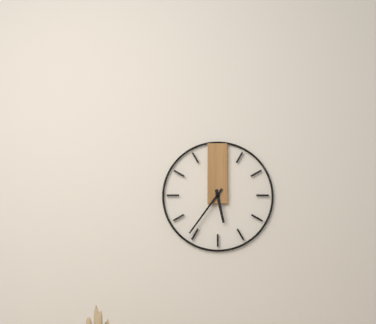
5:36
